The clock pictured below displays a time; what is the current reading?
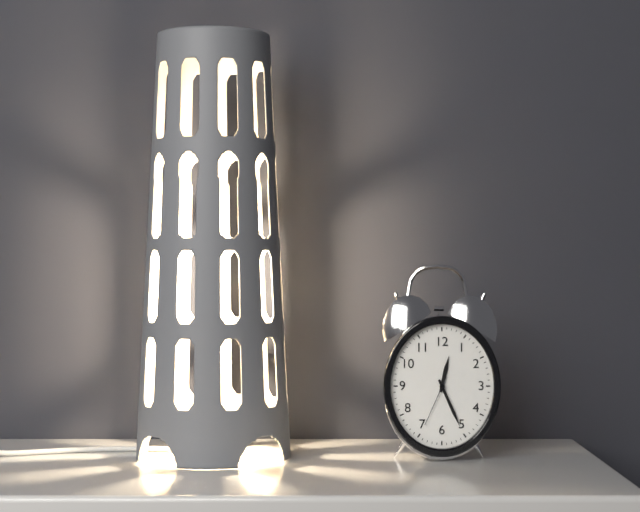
12:26:34
